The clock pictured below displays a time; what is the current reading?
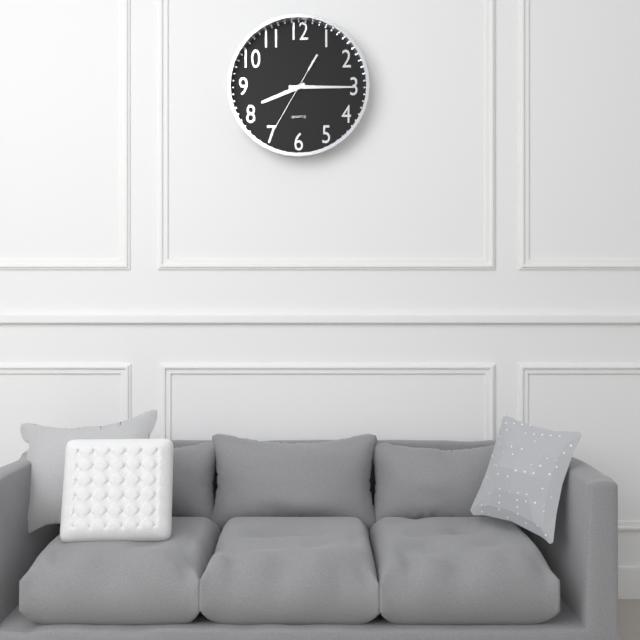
8:15:35
